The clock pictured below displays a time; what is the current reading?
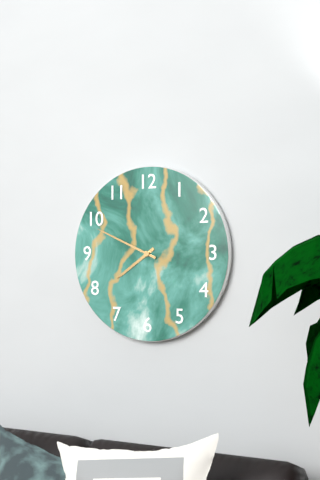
7:49
